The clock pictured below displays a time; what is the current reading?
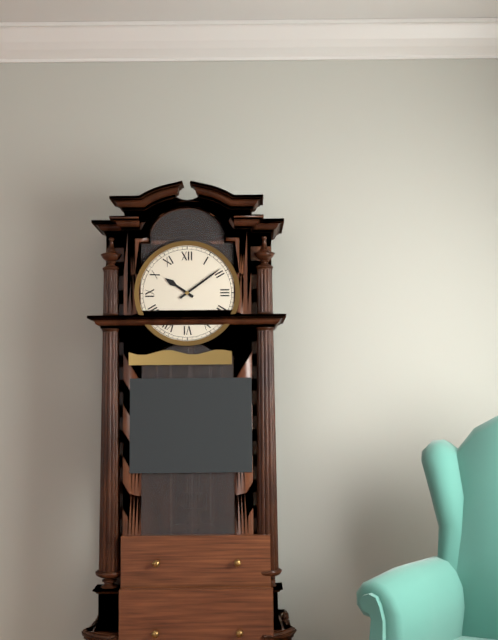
10:09
